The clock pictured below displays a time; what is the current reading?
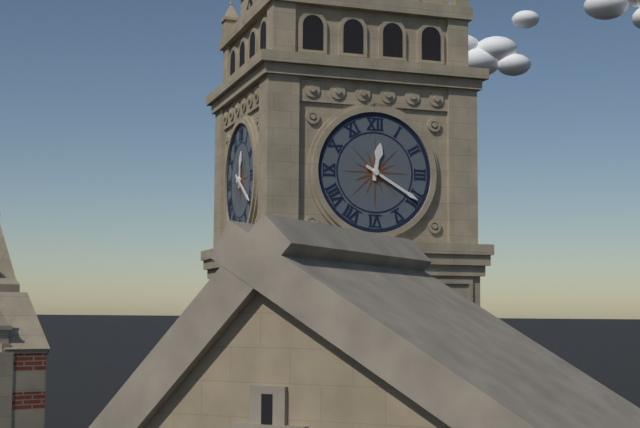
12:20
